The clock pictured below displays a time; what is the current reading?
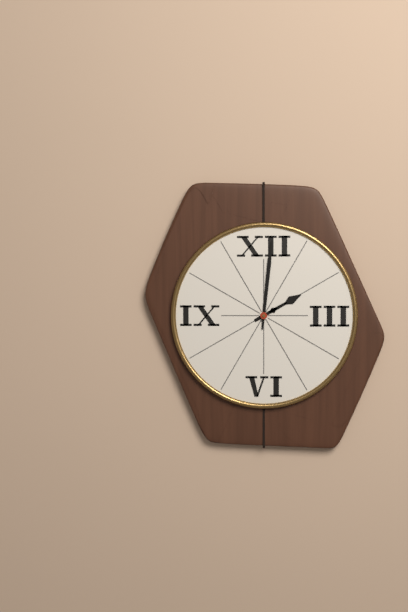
2:01
